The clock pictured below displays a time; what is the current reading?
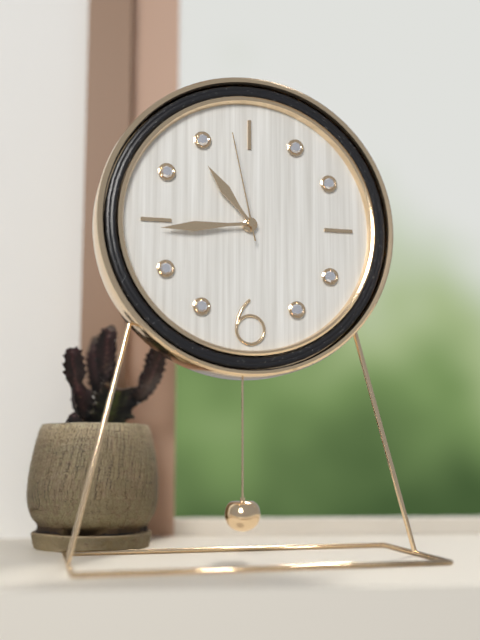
10:44:58
